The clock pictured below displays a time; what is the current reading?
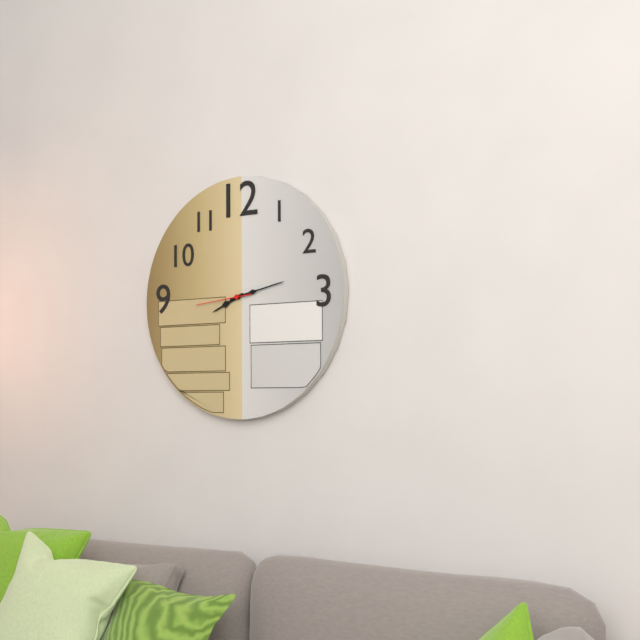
8:13:44
